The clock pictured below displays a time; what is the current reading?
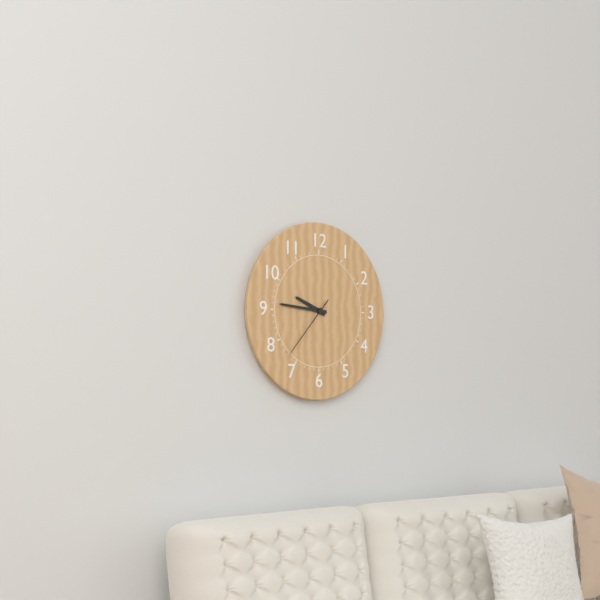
9:46:37
